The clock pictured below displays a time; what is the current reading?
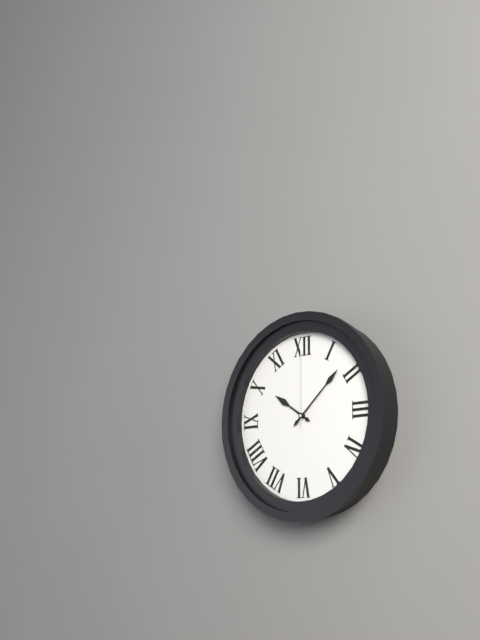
10:08:00
